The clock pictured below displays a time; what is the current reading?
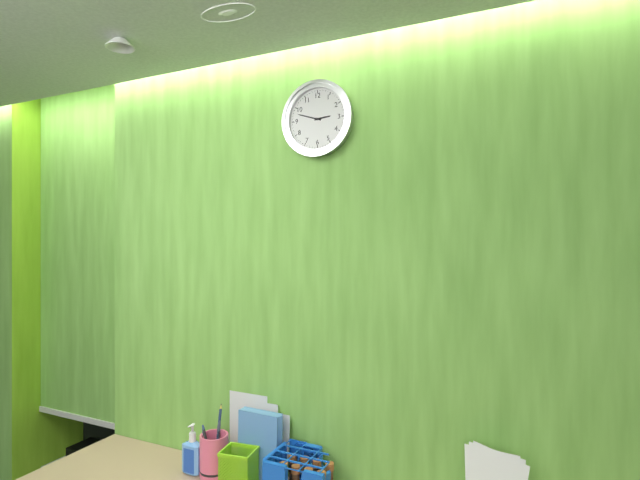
2:48
